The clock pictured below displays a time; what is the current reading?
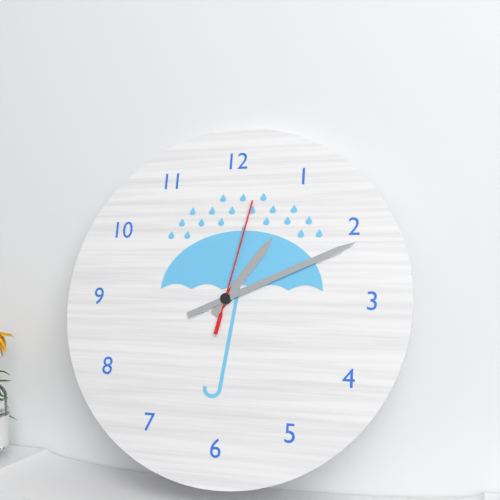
1:11:02
